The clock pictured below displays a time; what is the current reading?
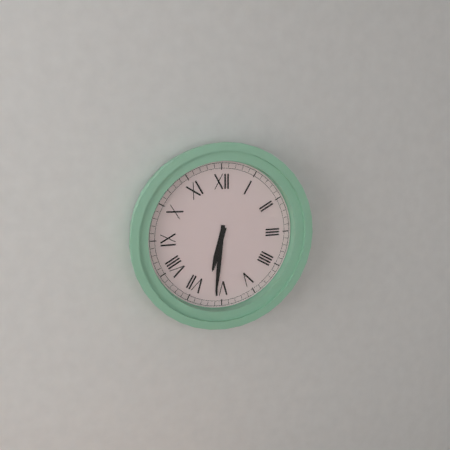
6:31
